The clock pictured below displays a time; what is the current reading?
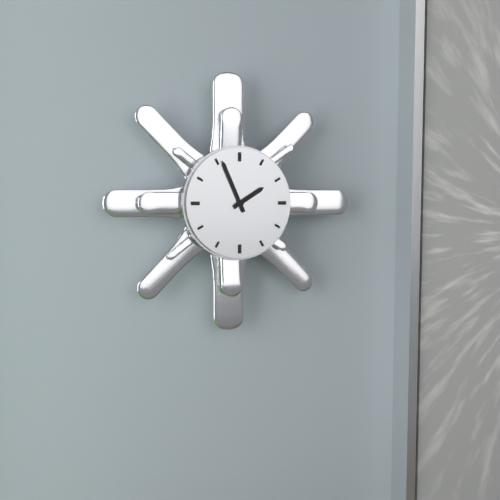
1:56
